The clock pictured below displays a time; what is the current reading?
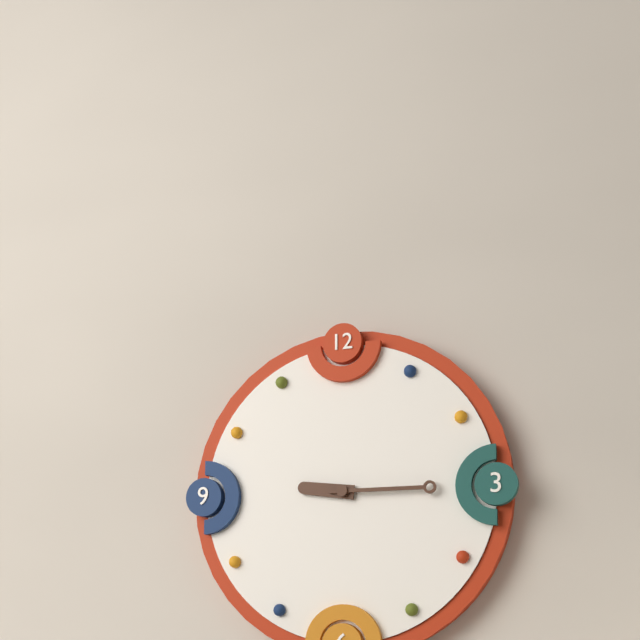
9:15
